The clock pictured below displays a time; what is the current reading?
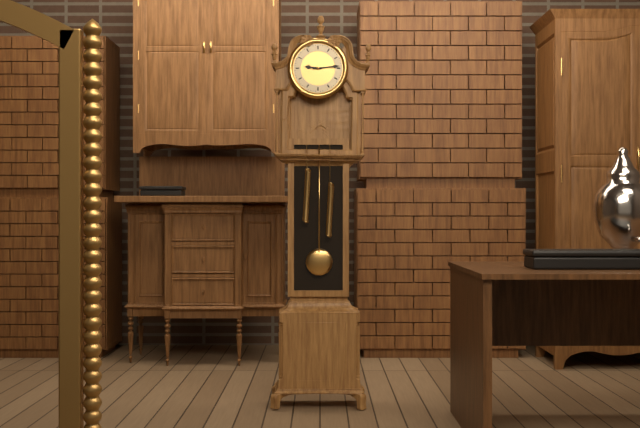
9:14
